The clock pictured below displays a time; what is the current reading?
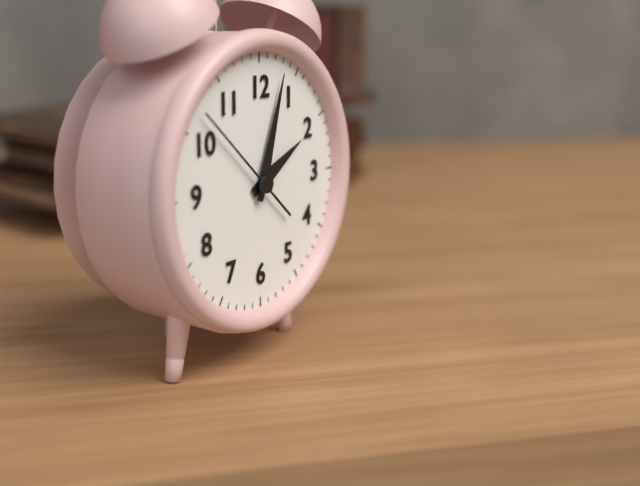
2:03:52
